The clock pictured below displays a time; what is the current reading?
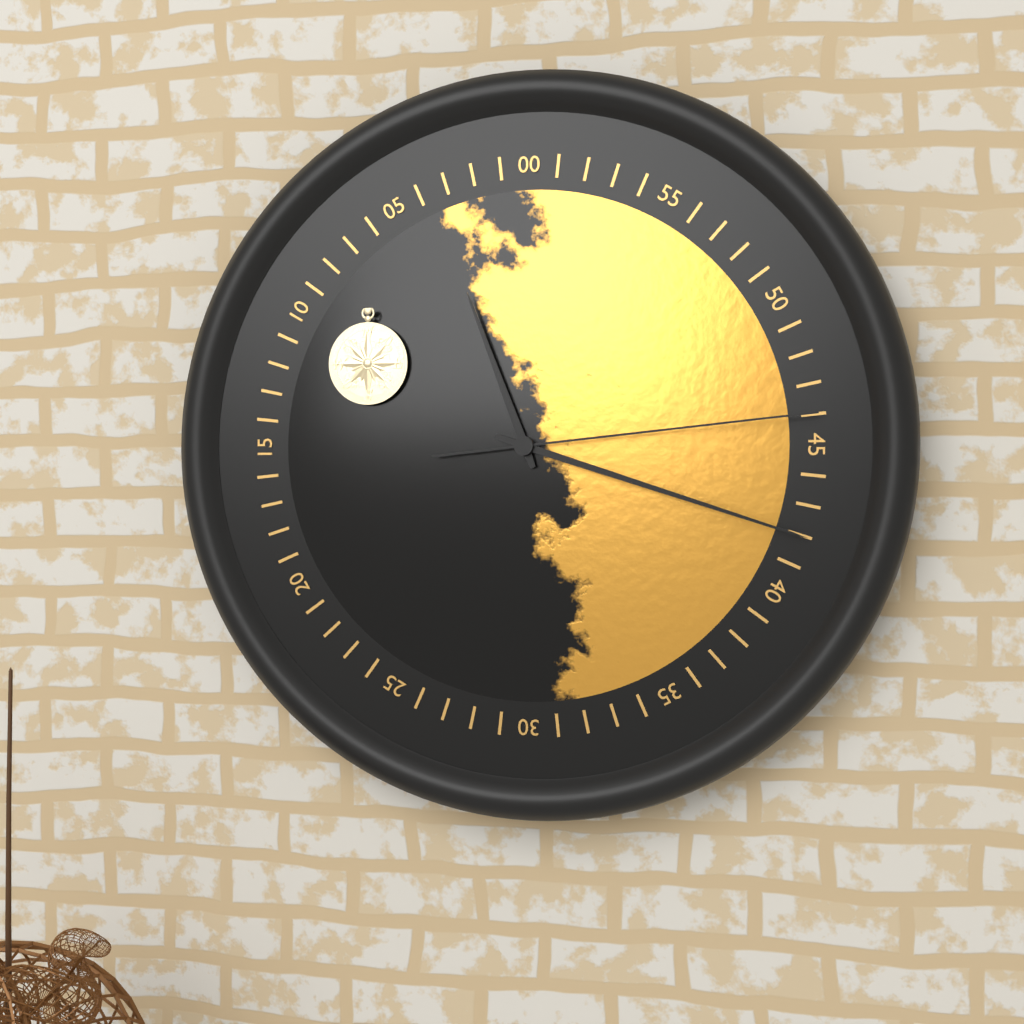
11:18:14
